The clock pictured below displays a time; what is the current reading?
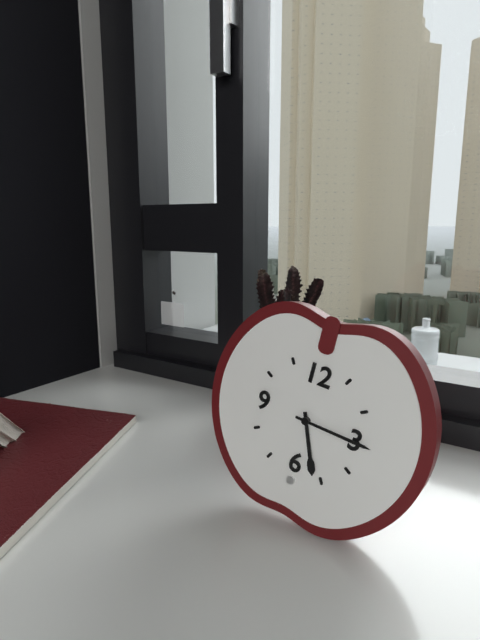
5:15
